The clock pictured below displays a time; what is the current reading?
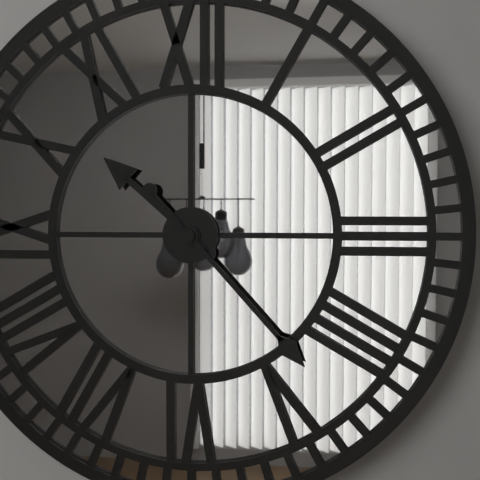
10:23
